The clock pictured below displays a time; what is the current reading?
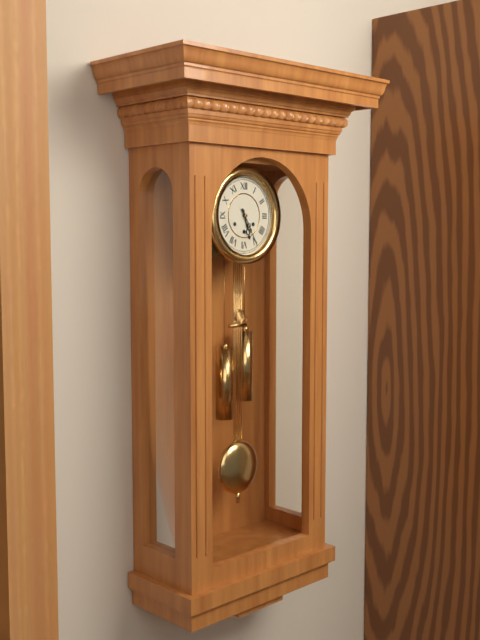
5:25
